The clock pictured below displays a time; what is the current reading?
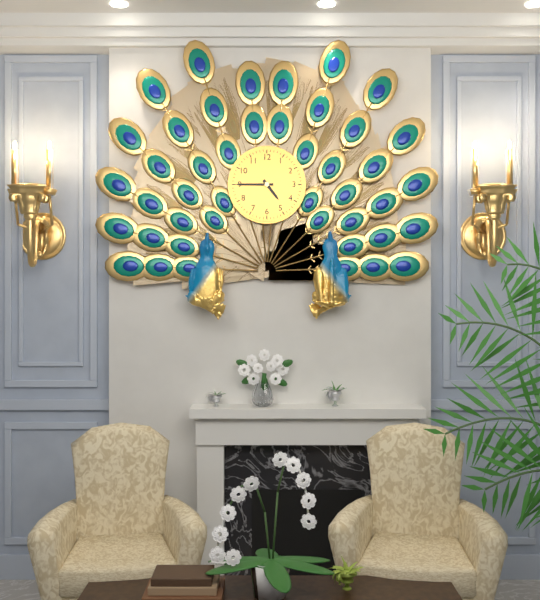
4:45
